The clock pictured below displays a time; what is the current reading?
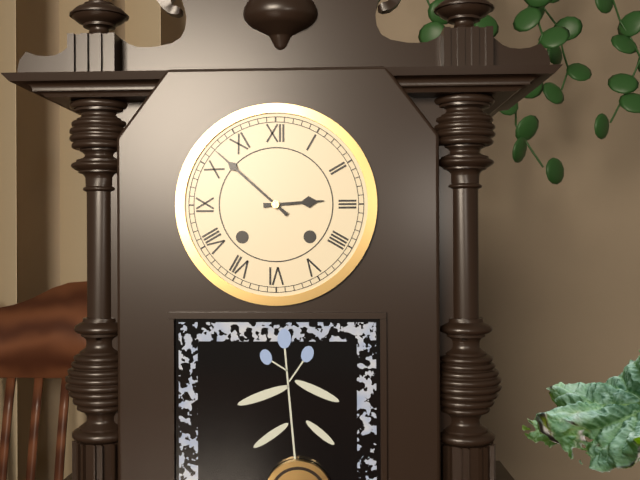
2:52
